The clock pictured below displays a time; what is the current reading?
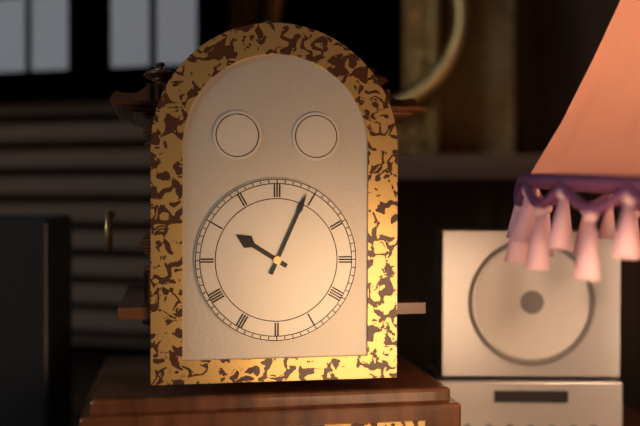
10:04
